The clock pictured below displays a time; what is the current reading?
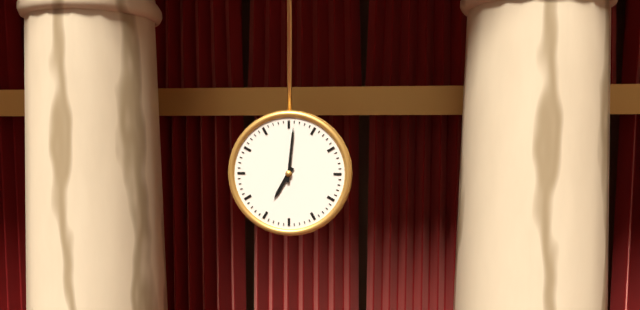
7:01
